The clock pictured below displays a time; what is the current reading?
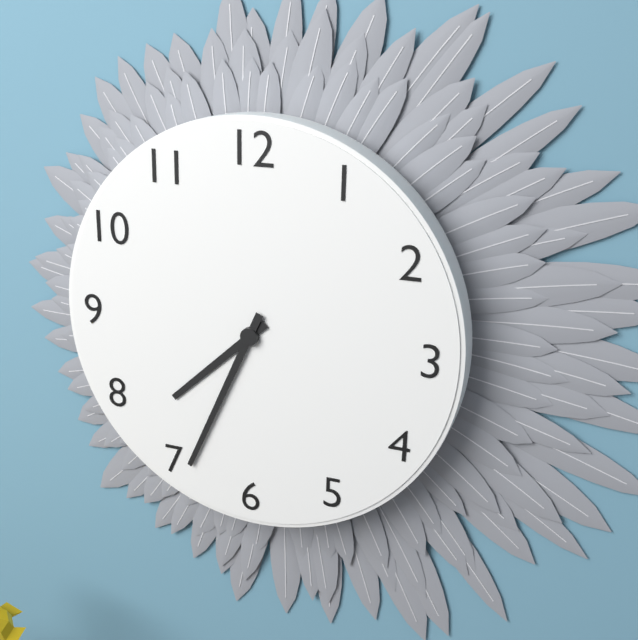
7:34
